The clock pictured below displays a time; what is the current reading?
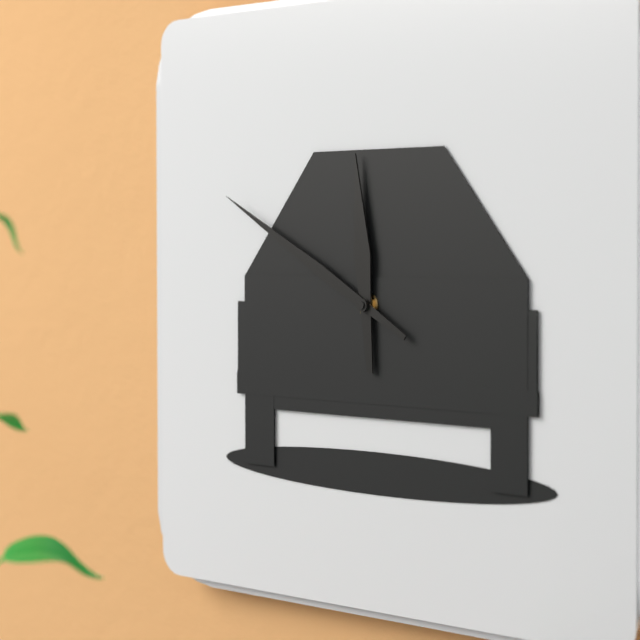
11:50
